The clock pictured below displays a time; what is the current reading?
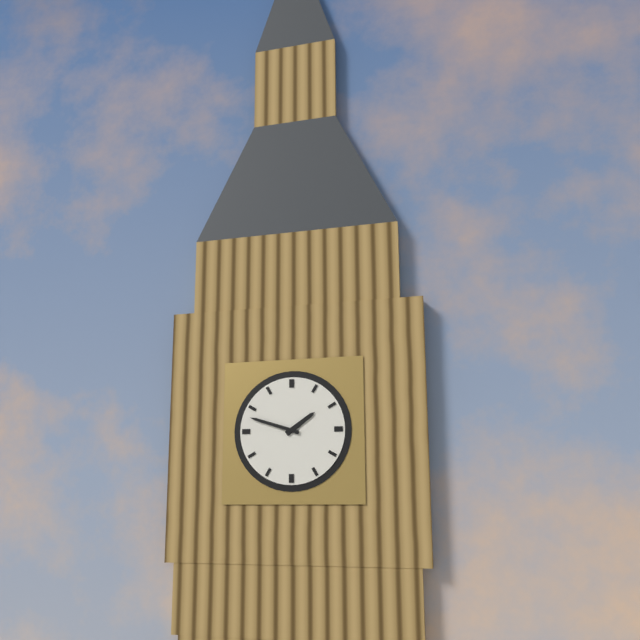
1:48
